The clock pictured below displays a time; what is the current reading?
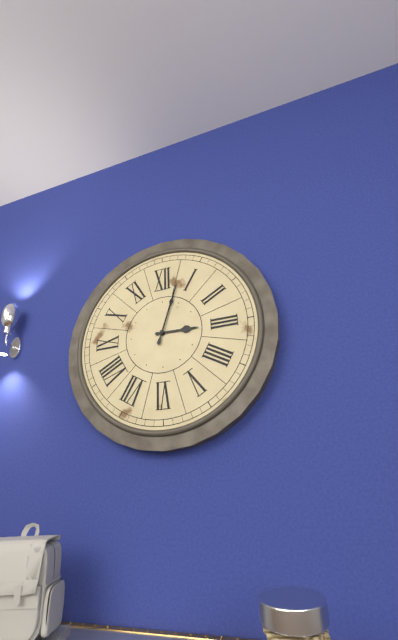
3:03
